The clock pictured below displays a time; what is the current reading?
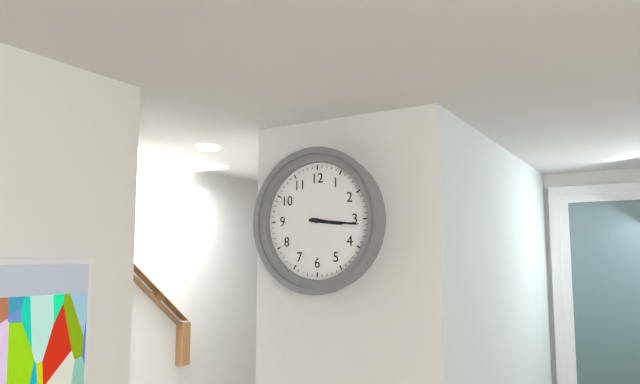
3:16
